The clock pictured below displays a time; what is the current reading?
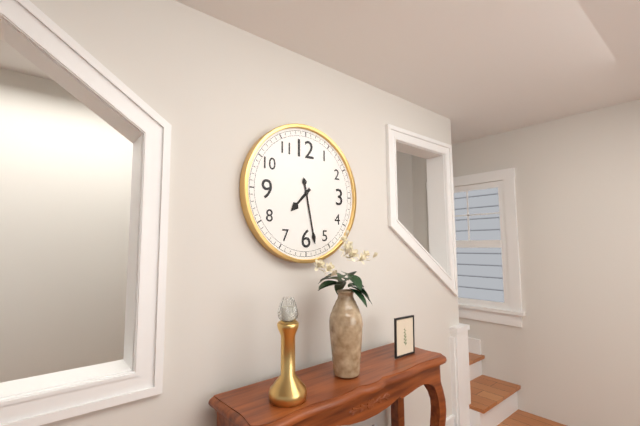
7:28
